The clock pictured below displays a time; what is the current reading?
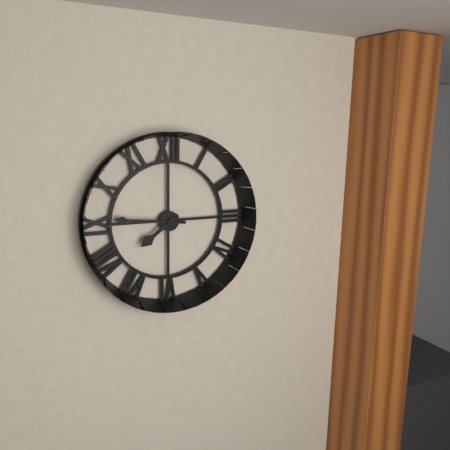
7:46
